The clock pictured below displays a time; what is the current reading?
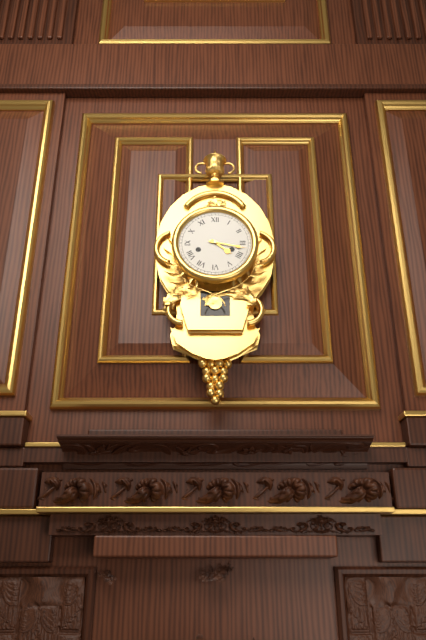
4:17
